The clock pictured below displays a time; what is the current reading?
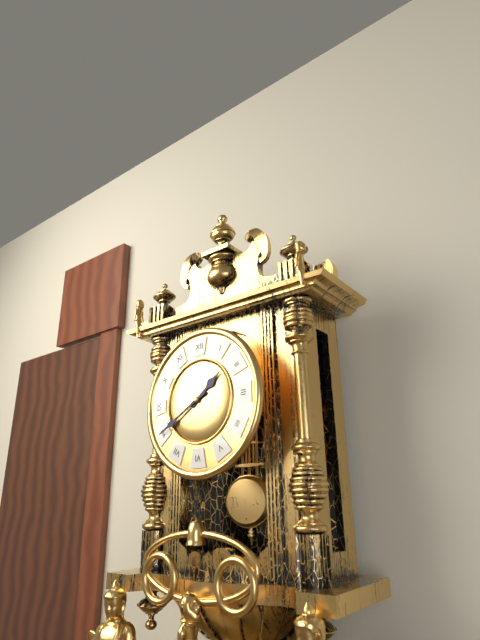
1:40
